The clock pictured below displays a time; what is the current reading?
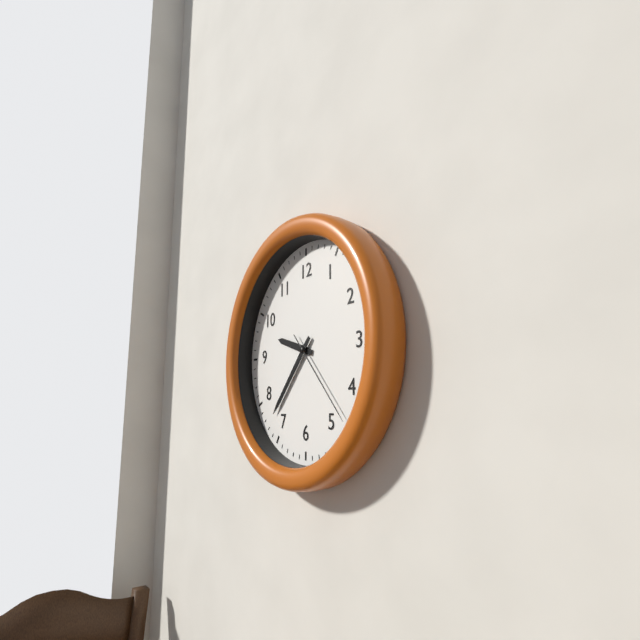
9:37:23
